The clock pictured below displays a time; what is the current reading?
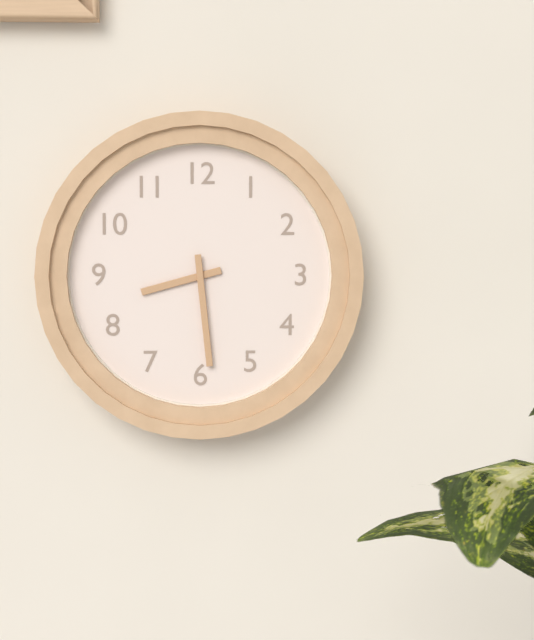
8:29
